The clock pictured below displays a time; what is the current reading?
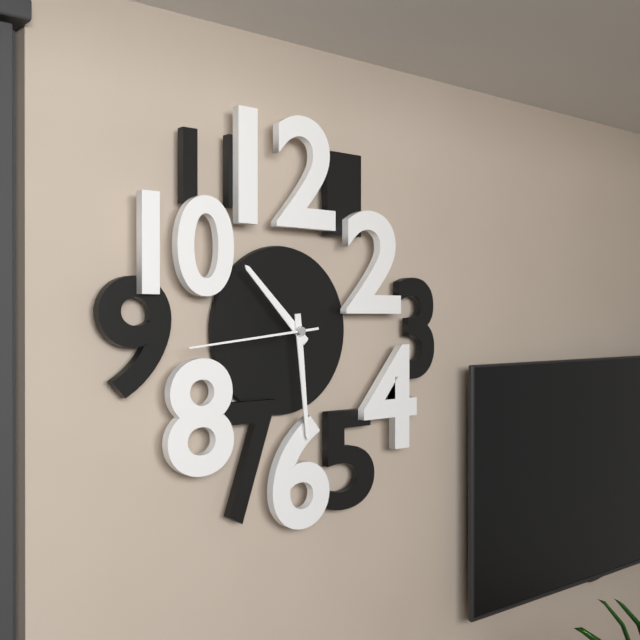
10:29:44
